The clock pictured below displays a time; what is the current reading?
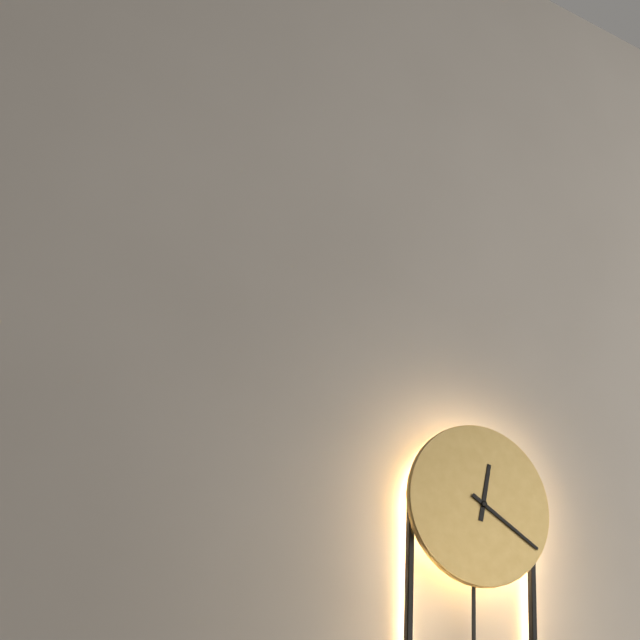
12:20
